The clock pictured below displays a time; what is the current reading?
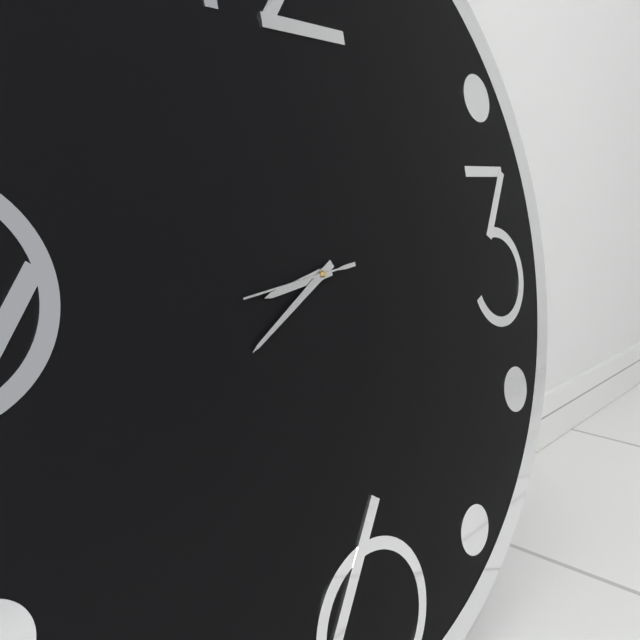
8:40:44
